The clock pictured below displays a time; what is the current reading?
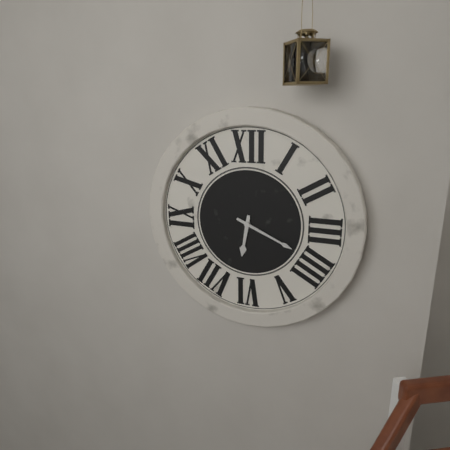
6:19
